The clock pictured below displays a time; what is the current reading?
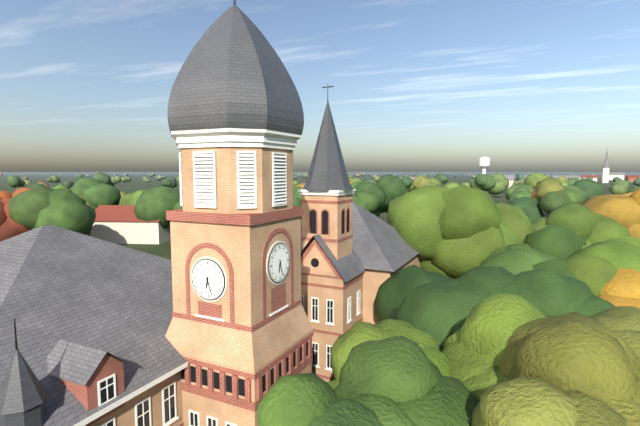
6:27
